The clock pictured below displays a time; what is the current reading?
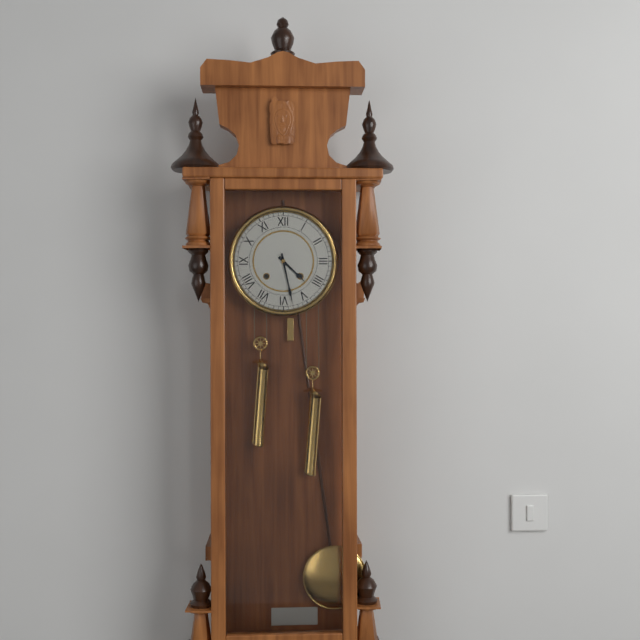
4:28
